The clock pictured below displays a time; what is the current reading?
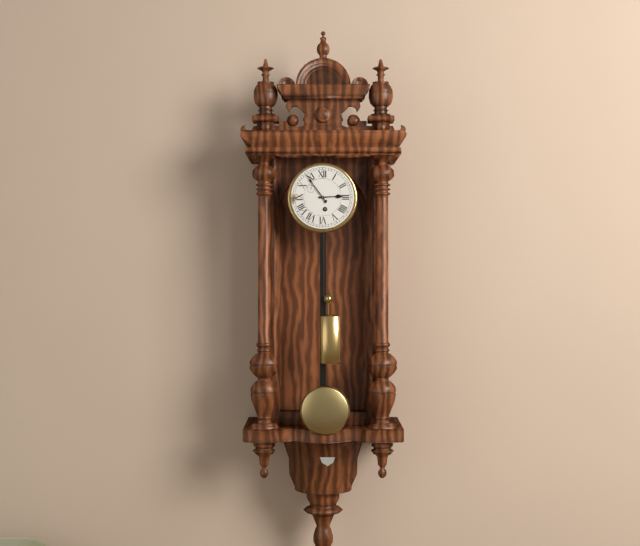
2:54
